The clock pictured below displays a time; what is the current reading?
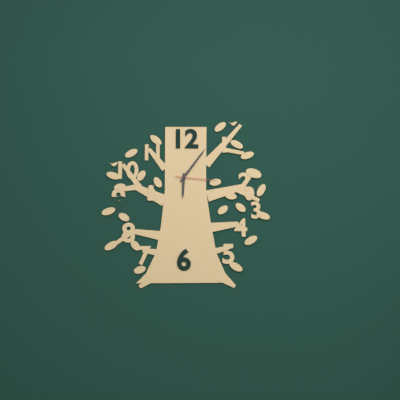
6:06
